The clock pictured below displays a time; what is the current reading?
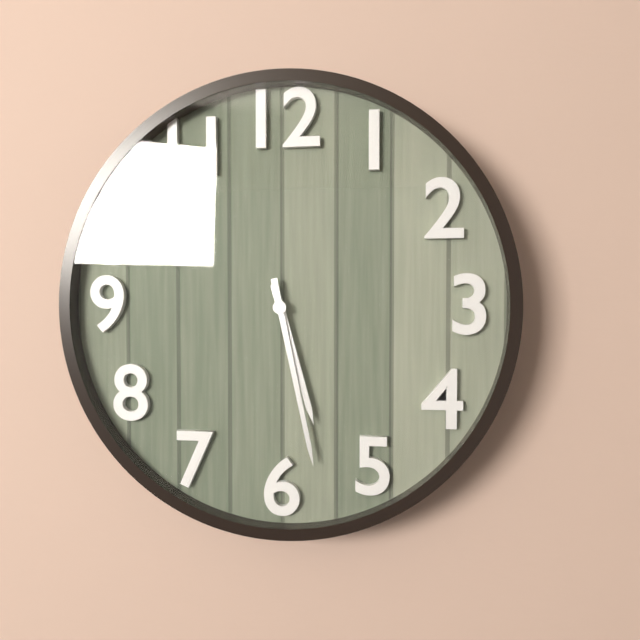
5:28
